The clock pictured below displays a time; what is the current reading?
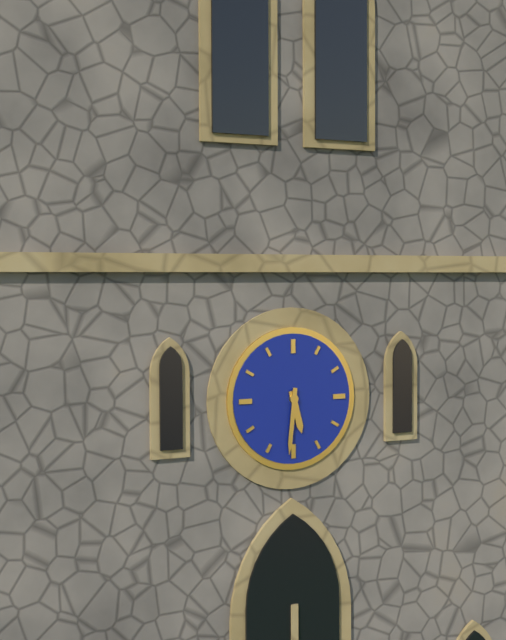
5:31
